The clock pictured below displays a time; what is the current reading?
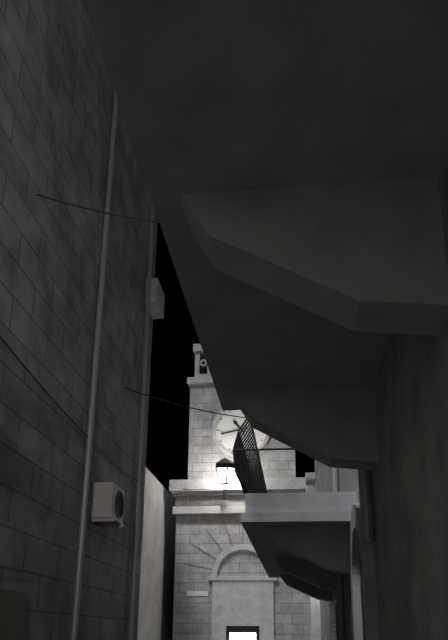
10:43
